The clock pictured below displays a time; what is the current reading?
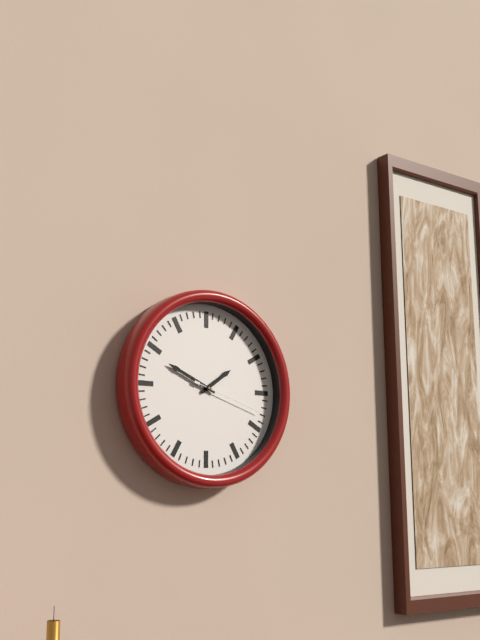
1:49:18
